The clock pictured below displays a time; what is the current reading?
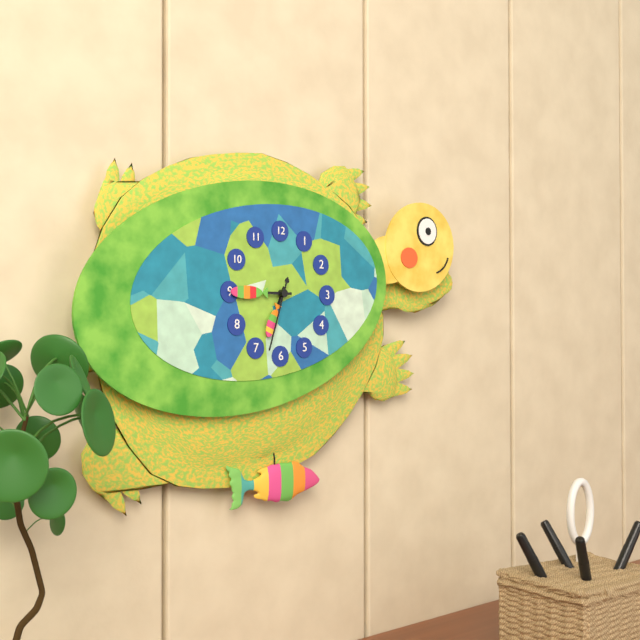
6:45:33
